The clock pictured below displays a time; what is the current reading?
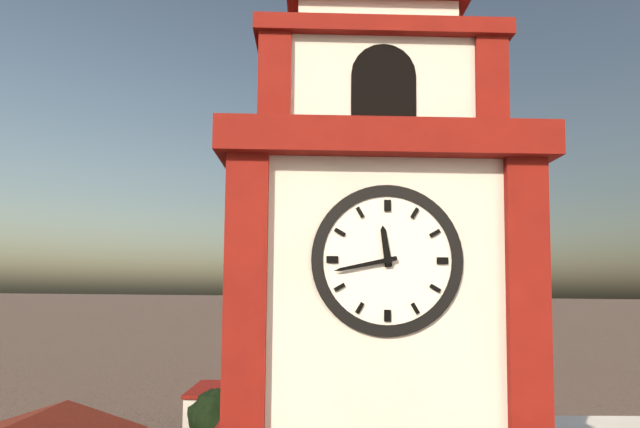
11:43
